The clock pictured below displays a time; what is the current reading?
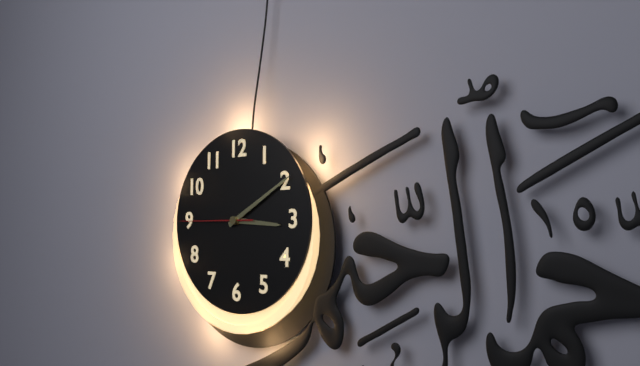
3:10:45
